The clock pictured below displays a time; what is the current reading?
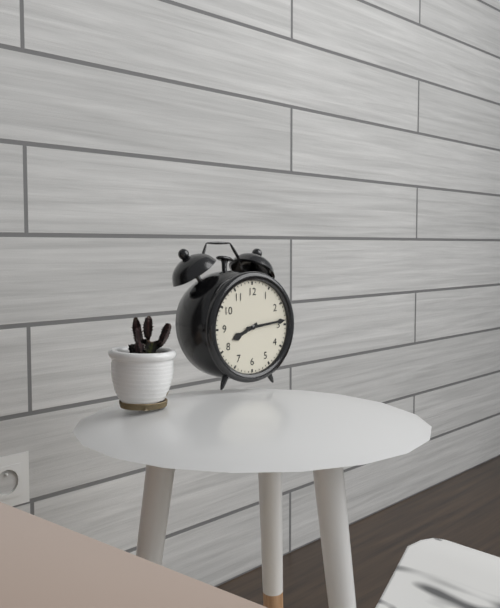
8:14
